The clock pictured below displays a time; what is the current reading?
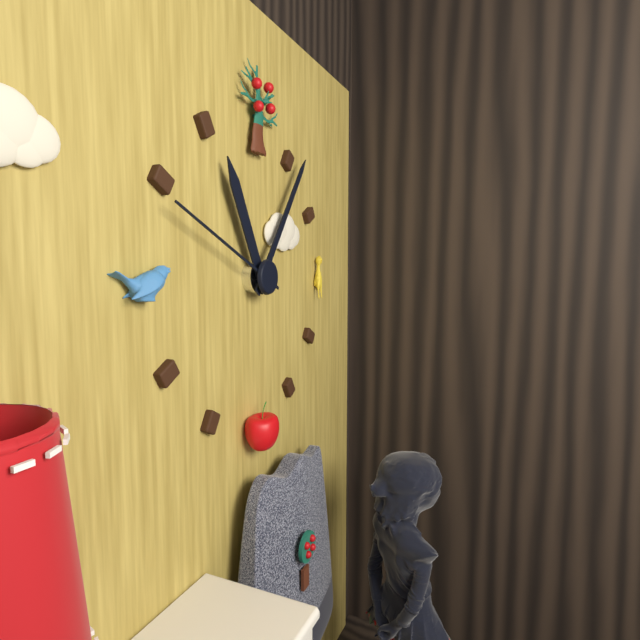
11:06:49
